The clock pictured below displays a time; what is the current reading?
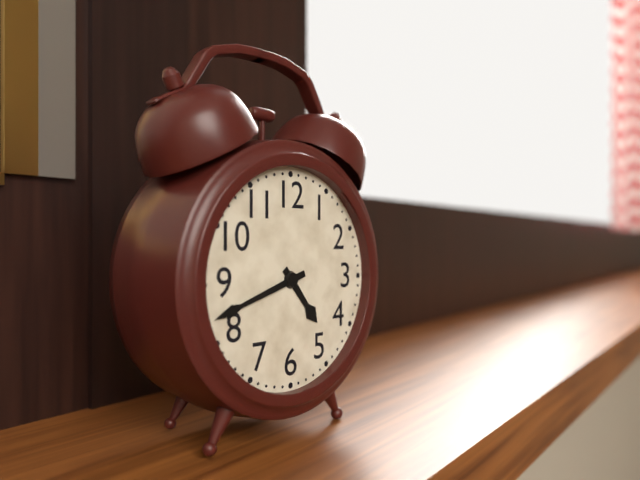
4:42
